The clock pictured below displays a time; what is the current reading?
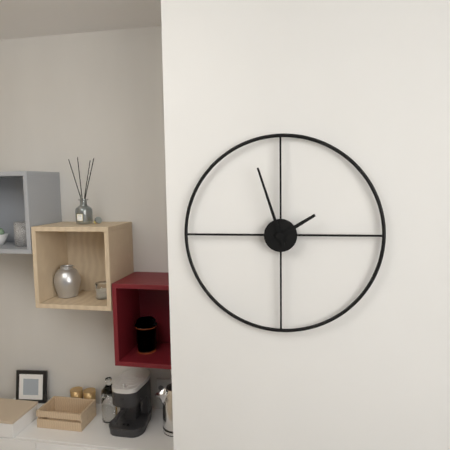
1:57
